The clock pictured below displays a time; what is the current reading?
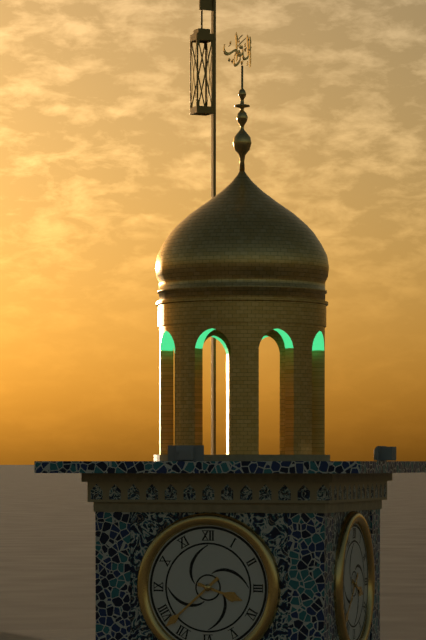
3:38
